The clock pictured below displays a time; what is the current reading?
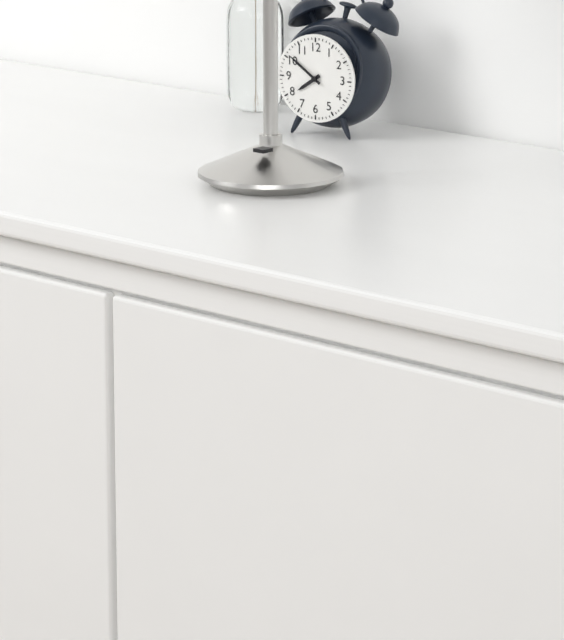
7:51
